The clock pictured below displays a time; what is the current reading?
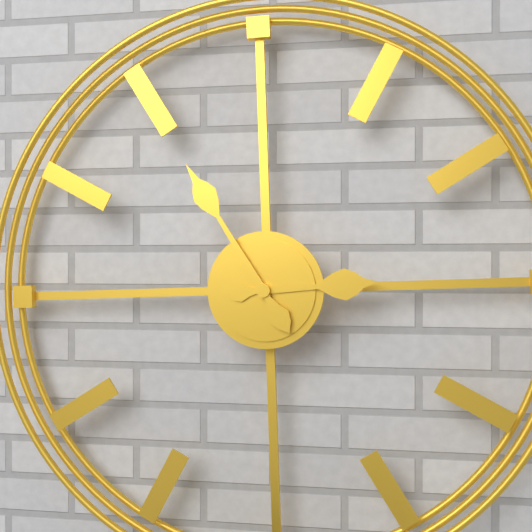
2:55
